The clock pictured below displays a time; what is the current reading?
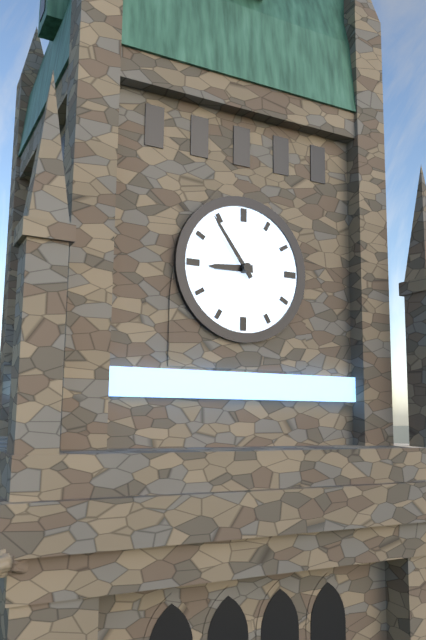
8:54
